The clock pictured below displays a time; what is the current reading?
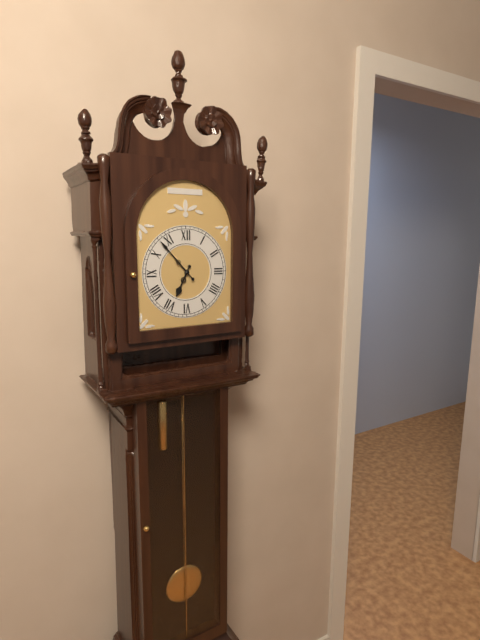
6:53
